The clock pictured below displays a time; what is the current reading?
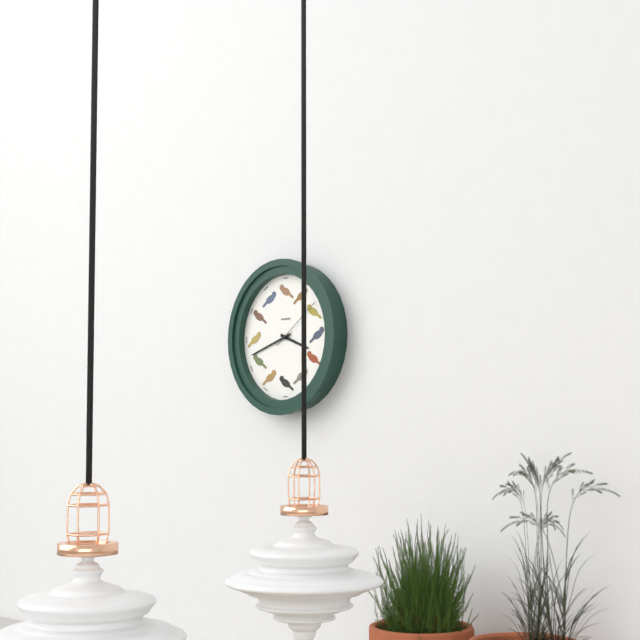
3:42:09
